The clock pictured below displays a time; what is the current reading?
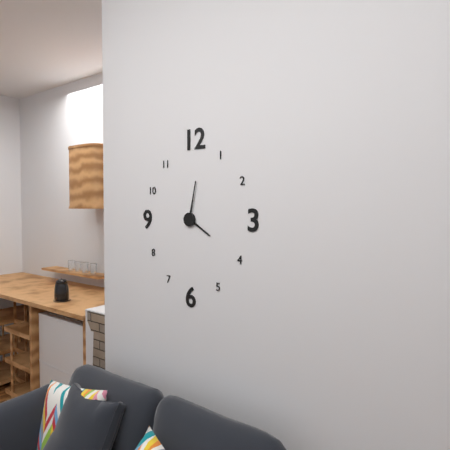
4:02
